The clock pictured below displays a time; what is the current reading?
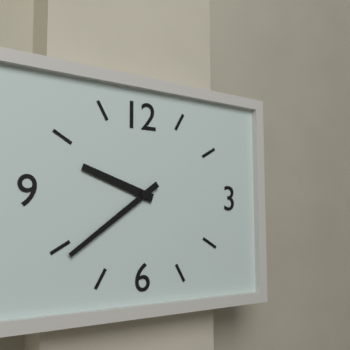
9:39
